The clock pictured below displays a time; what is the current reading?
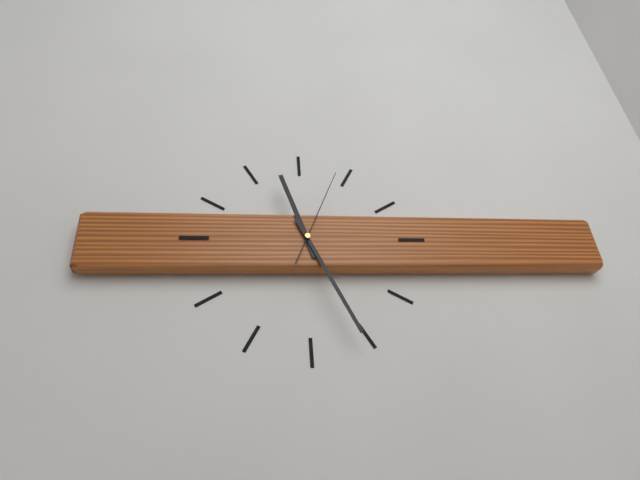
11:26:04
